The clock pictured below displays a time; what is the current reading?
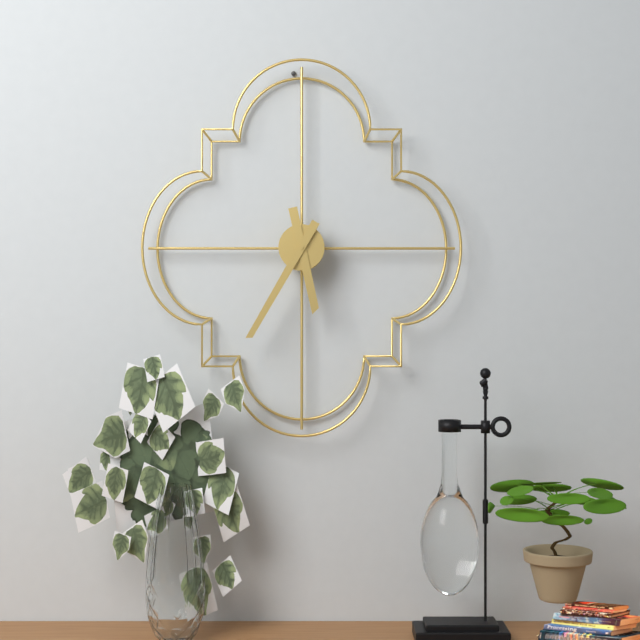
5:35
